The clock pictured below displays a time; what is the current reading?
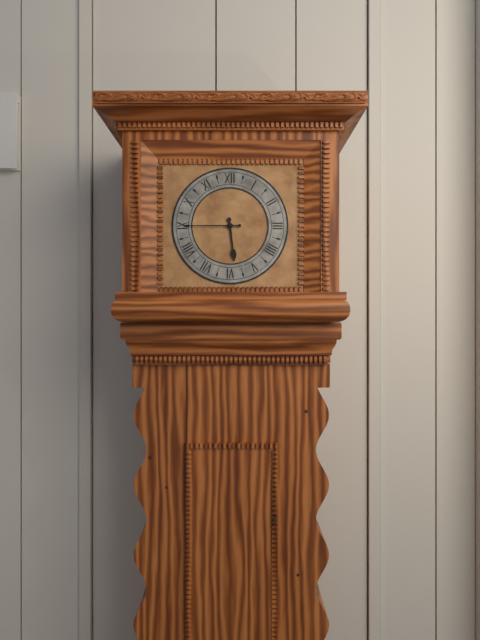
5:45
